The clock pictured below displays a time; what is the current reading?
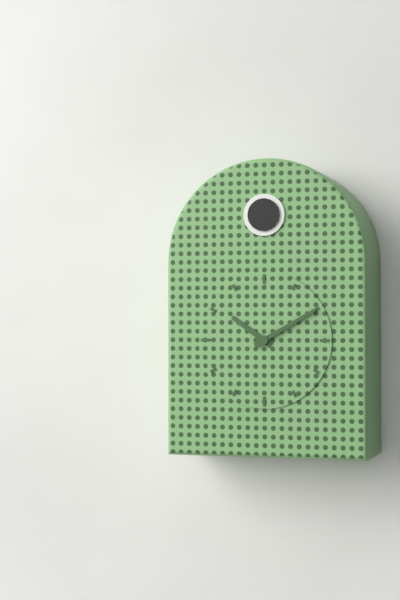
10:10
